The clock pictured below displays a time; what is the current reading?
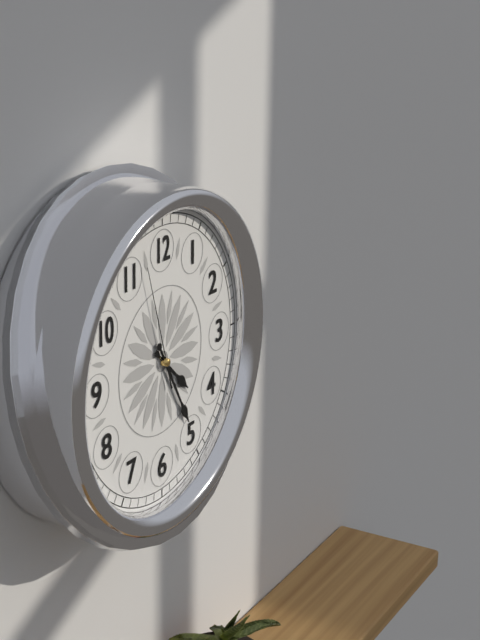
4:25:57
